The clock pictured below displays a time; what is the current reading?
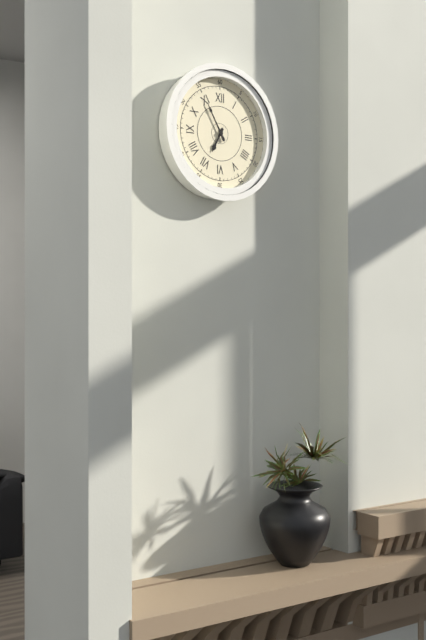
6:55
